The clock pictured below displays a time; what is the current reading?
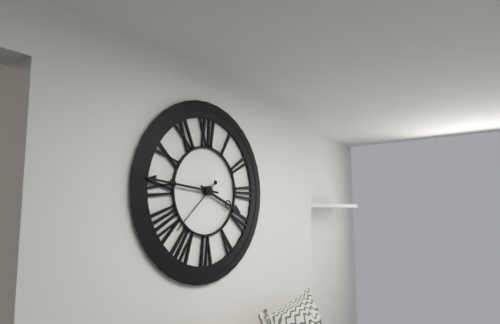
3:46:38
